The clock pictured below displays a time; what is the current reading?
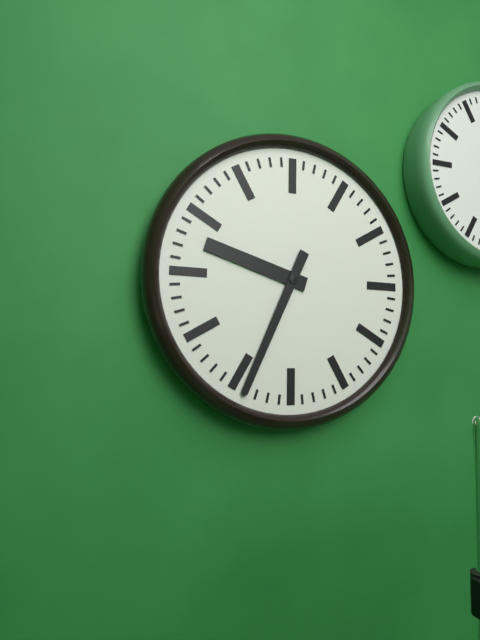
9:34
